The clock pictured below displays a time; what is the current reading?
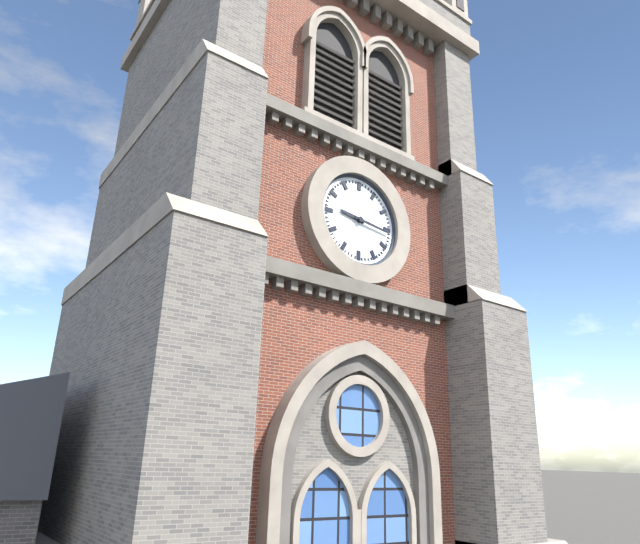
9:16
